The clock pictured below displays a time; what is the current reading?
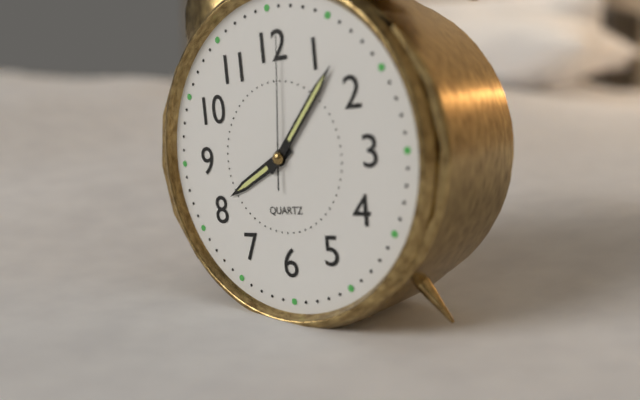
8:07:01
